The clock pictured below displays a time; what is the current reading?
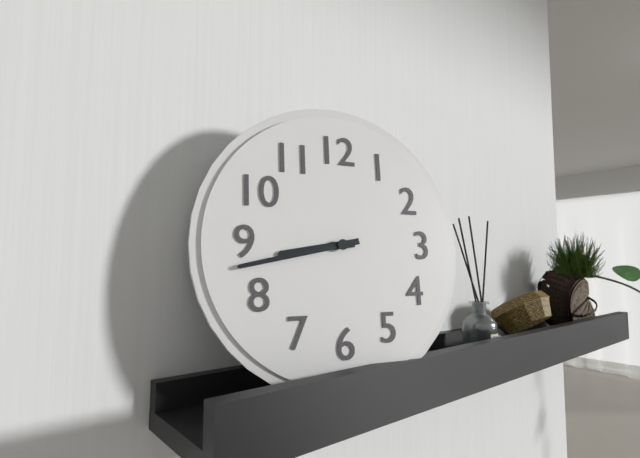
8:43
